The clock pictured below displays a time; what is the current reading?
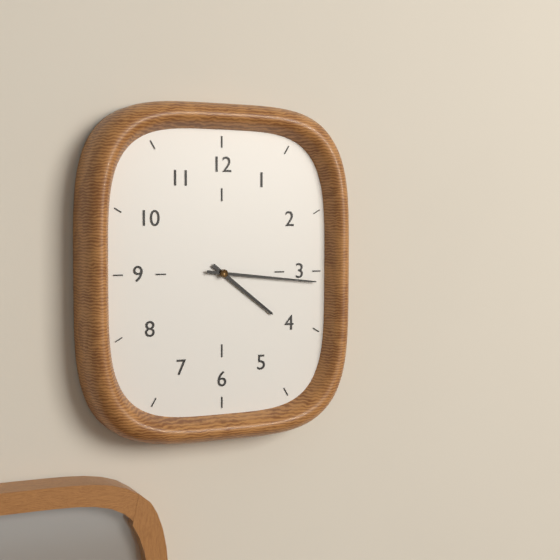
4:16
